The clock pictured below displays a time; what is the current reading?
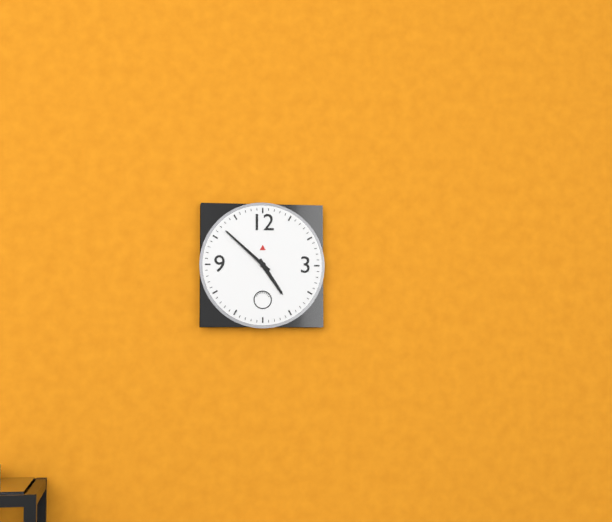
4:52
